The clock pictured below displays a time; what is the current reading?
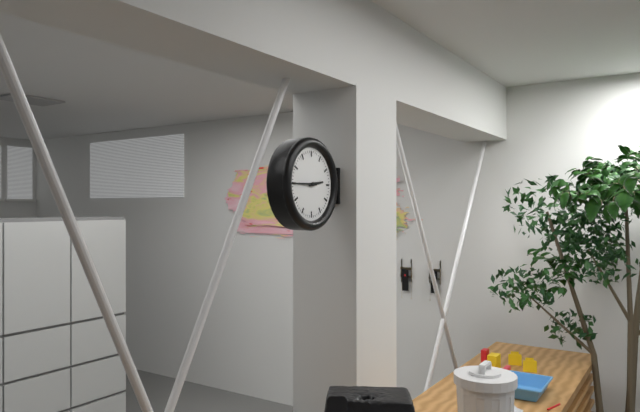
2:45
